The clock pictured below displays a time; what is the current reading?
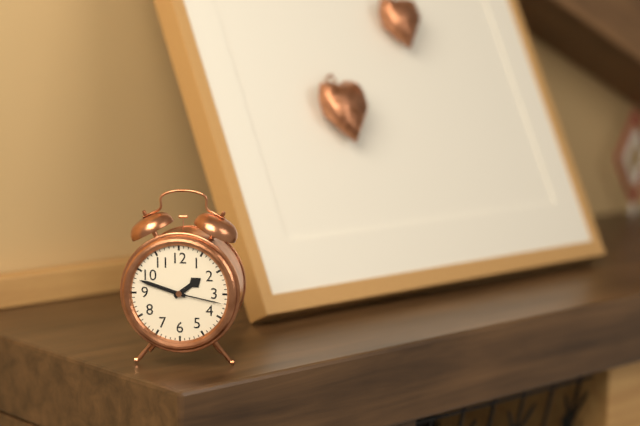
1:48:17
